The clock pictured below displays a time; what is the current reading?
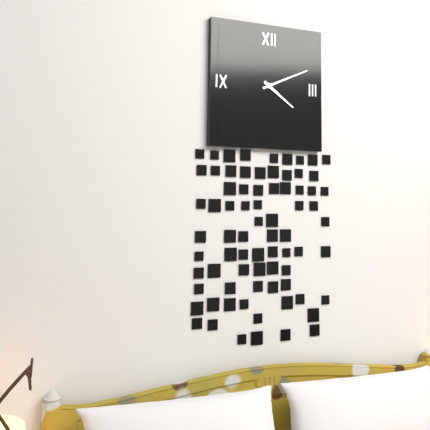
4:11
